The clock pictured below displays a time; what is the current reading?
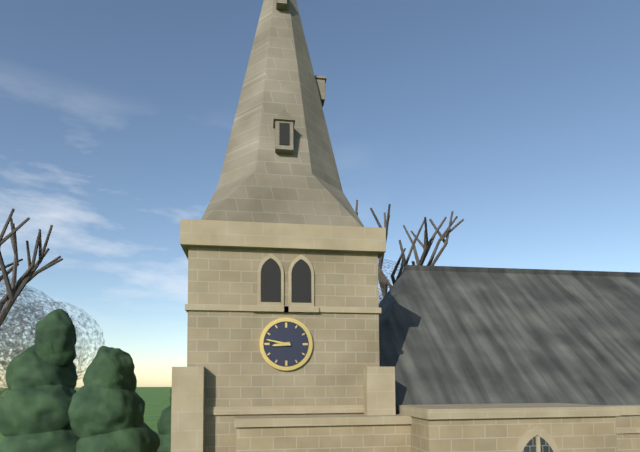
8:47
